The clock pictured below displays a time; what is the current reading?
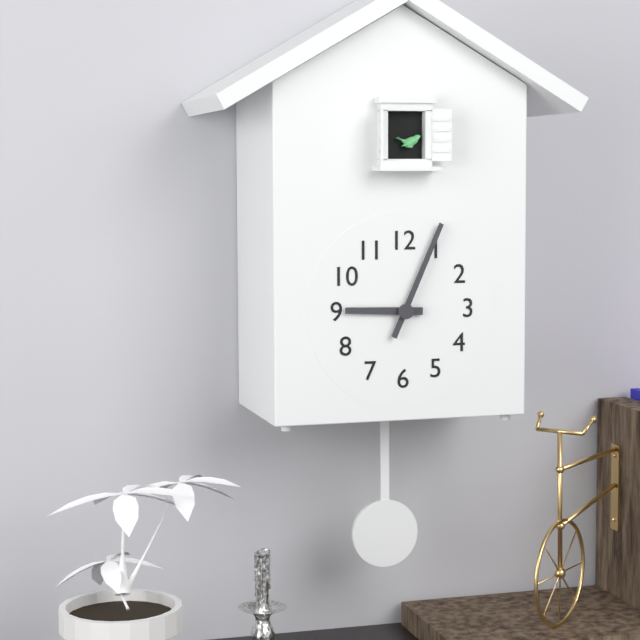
9:04
